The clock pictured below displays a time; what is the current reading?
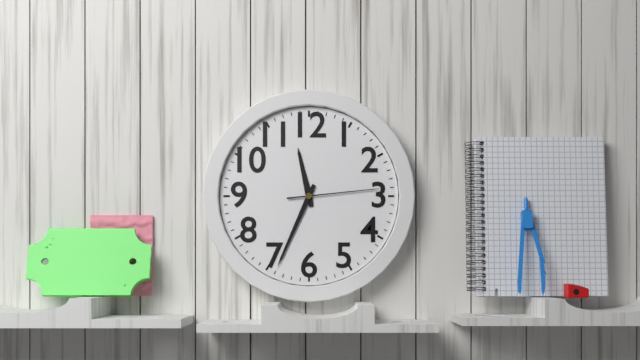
11:34:14
